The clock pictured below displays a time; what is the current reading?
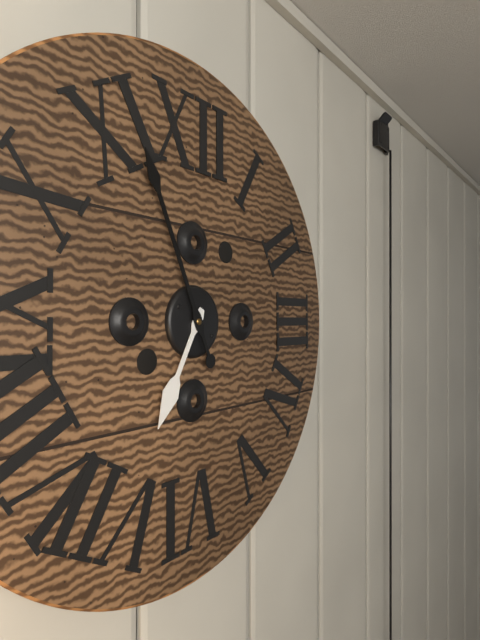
6:56
